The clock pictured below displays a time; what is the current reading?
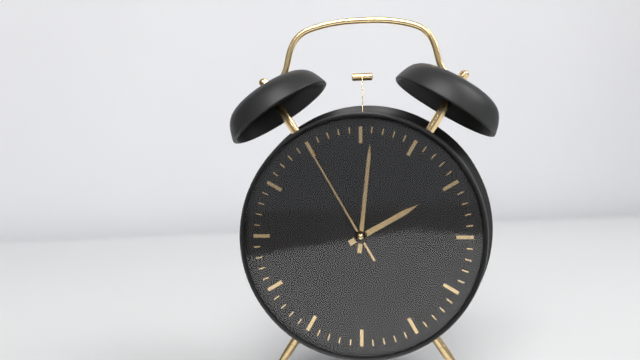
2:01:55
